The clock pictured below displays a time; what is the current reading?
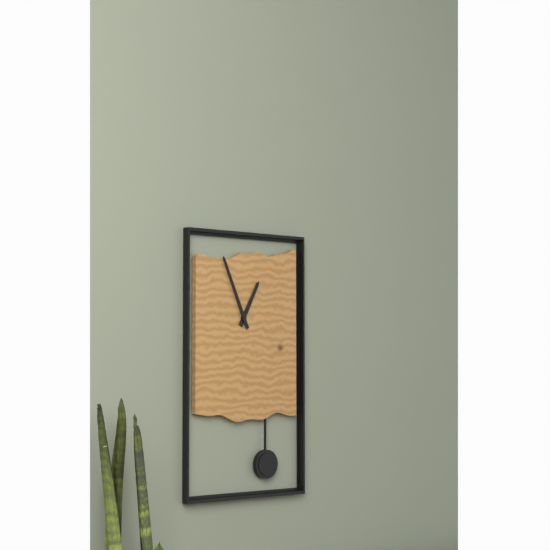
12:56
